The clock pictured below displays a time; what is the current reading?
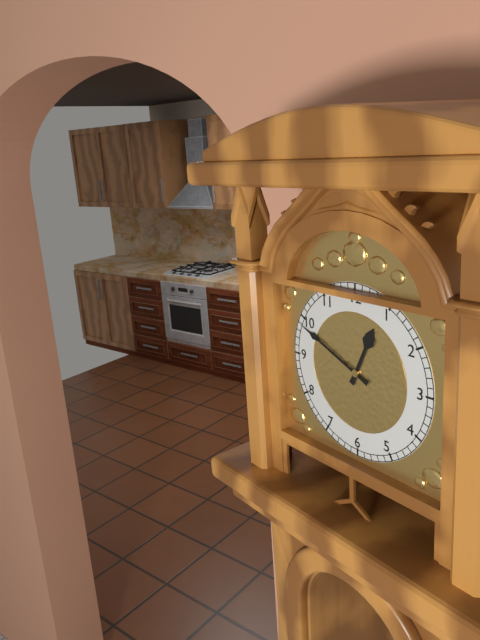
12:49
